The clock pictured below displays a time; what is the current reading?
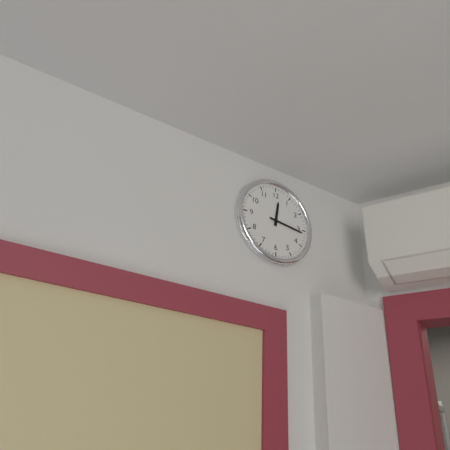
12:16
